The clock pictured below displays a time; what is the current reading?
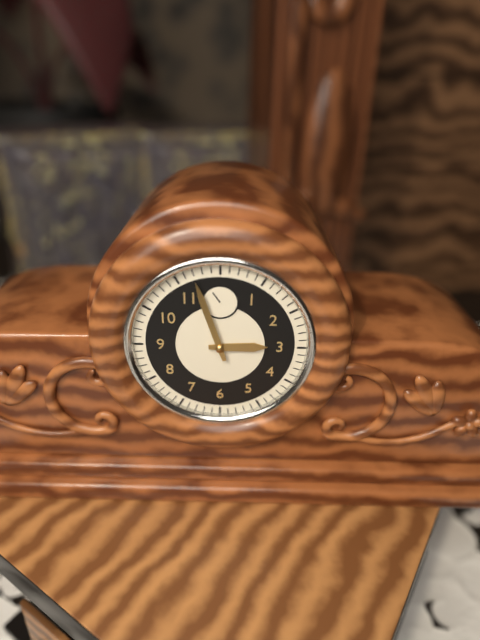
2:57
